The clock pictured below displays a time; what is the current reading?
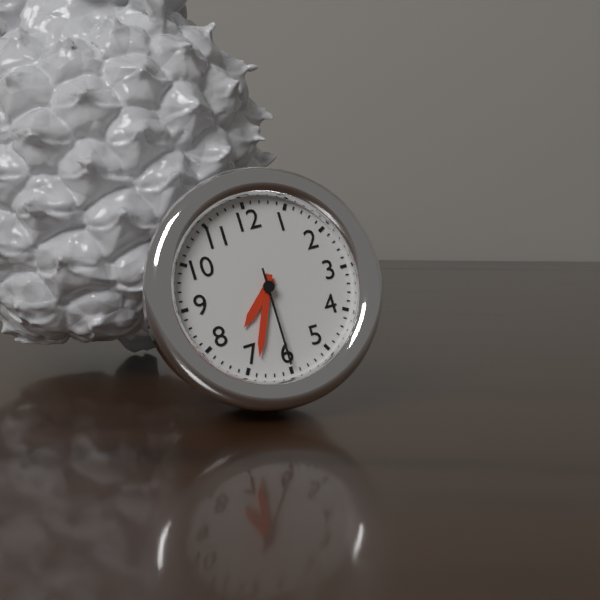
7:34:30
